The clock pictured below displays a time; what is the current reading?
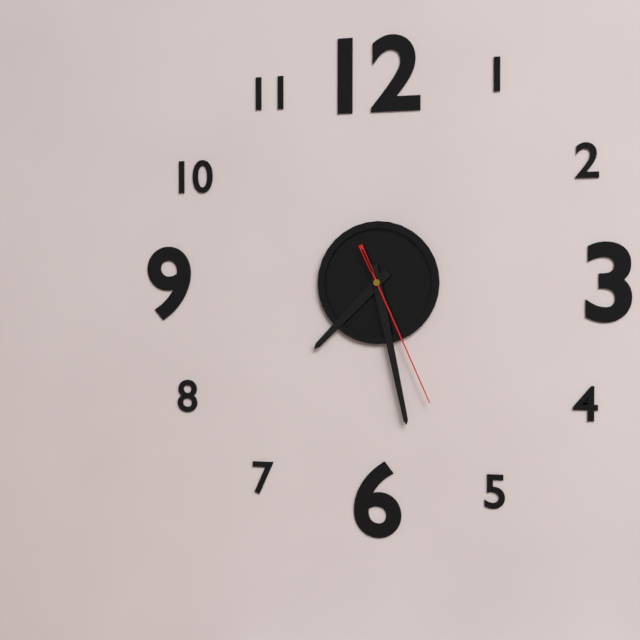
7:28:26
